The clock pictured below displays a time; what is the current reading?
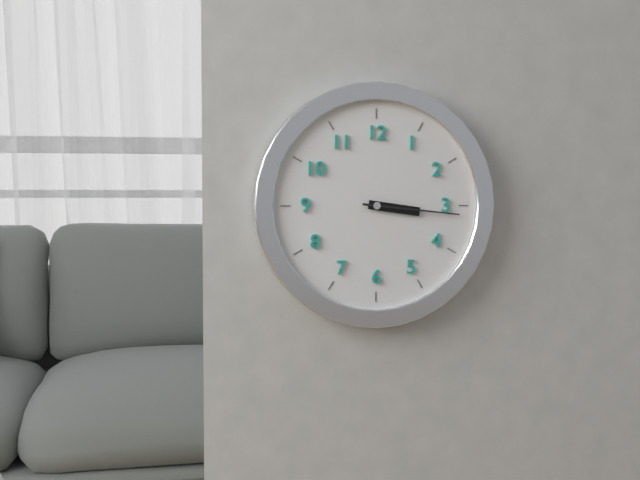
3:16
